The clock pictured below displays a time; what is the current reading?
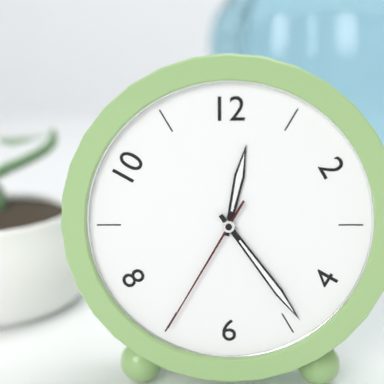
12:24:35
